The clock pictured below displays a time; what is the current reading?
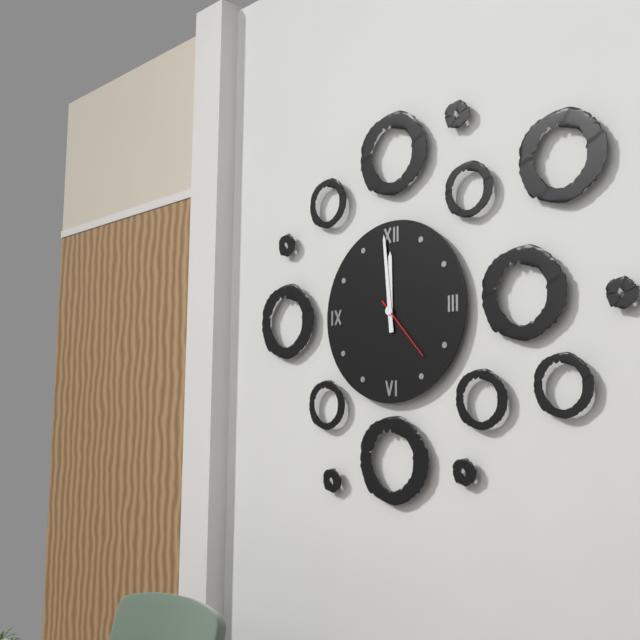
11:59:23
